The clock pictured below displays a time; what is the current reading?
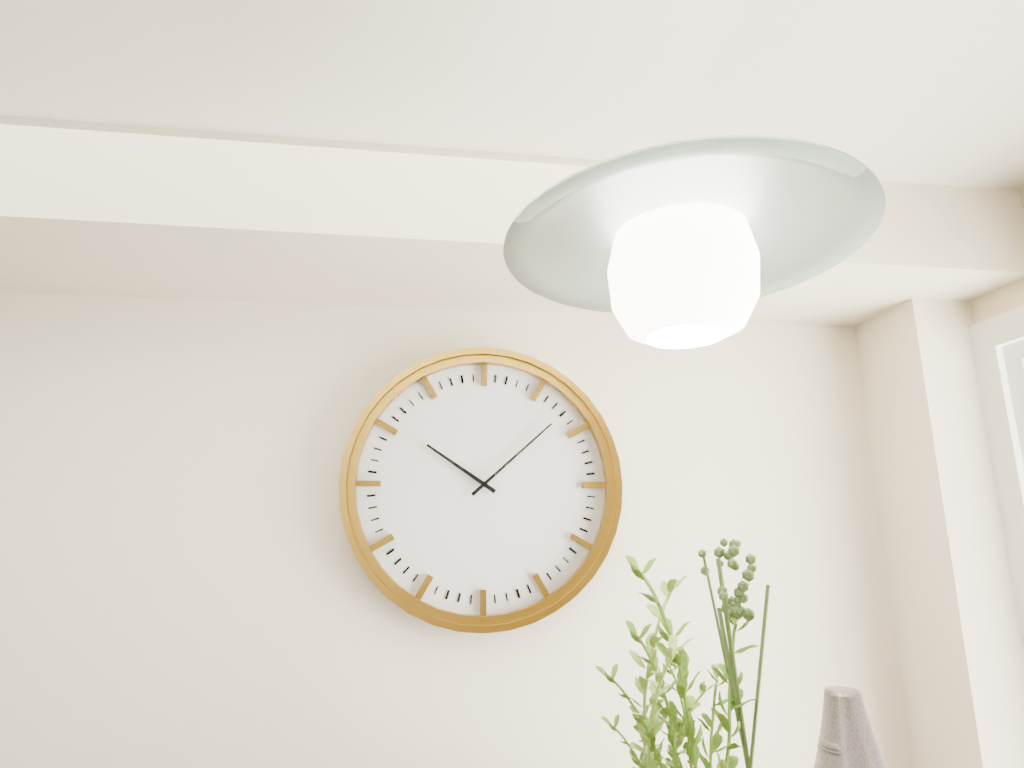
10:08
